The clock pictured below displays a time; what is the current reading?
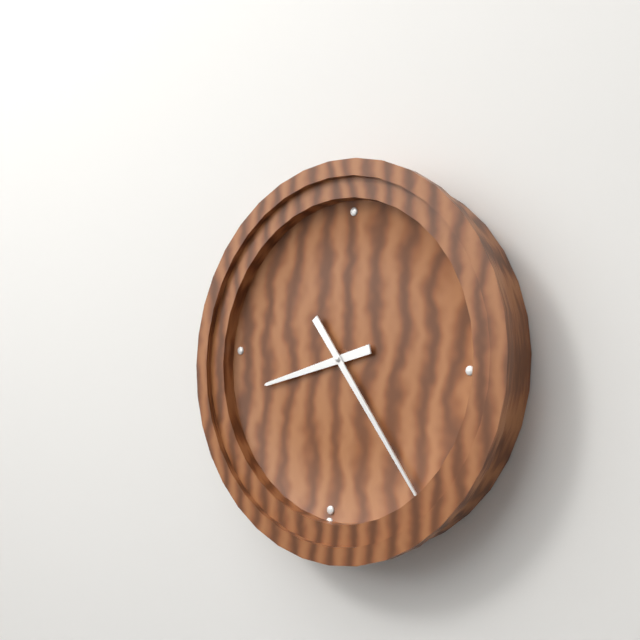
8:23
